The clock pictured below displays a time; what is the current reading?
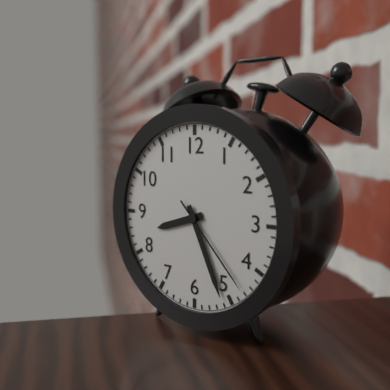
8:26:23
